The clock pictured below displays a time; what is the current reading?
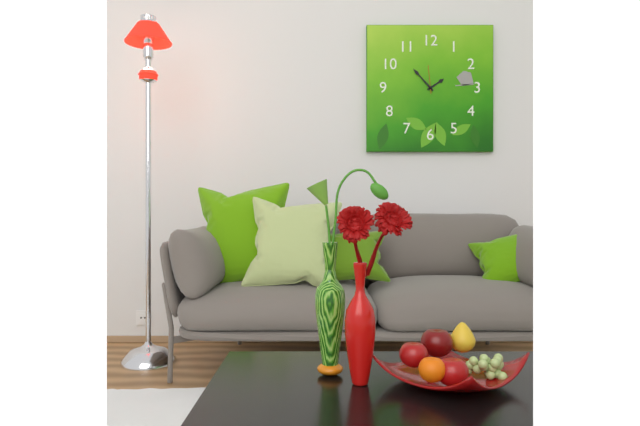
1:53
